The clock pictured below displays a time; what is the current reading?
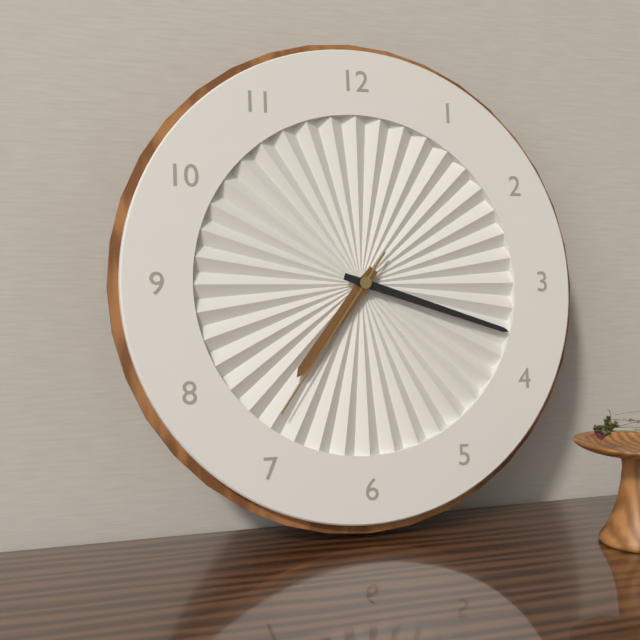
7:18:36
